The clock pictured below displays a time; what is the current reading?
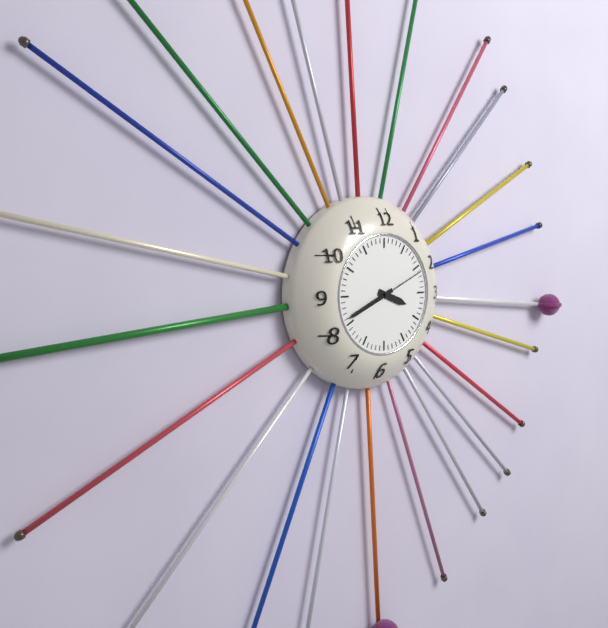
3:41:11
